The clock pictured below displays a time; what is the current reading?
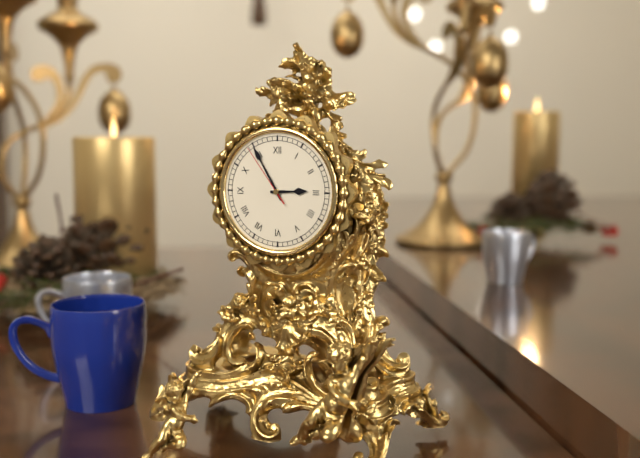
2:55:54
